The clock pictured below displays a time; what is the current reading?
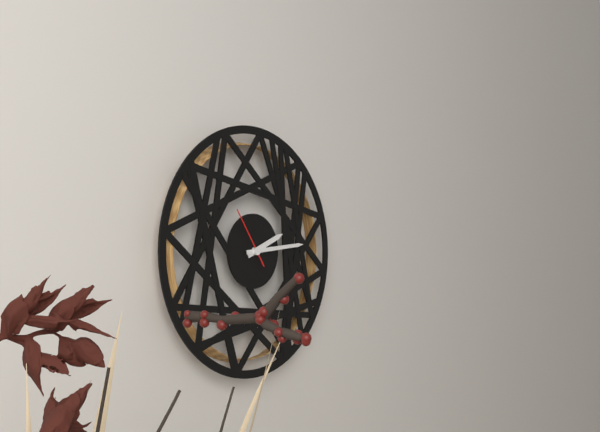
2:14:54
